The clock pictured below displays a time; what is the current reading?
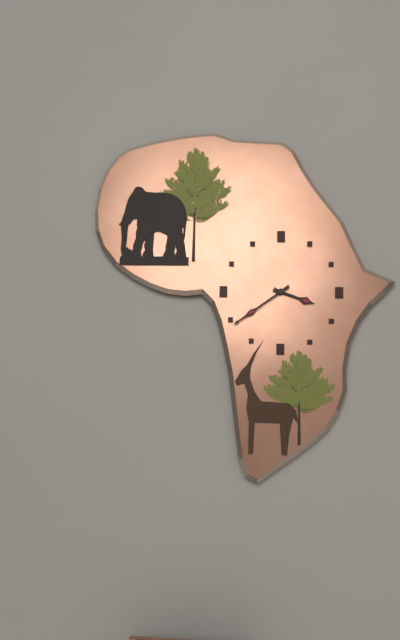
3:39
